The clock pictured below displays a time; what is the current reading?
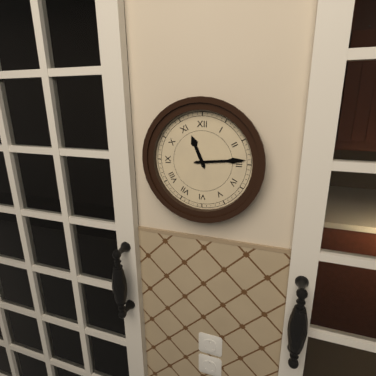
11:14
